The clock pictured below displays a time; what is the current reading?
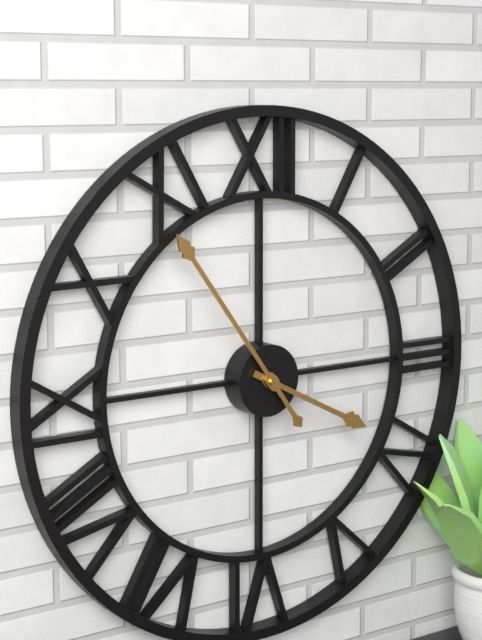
3:54
